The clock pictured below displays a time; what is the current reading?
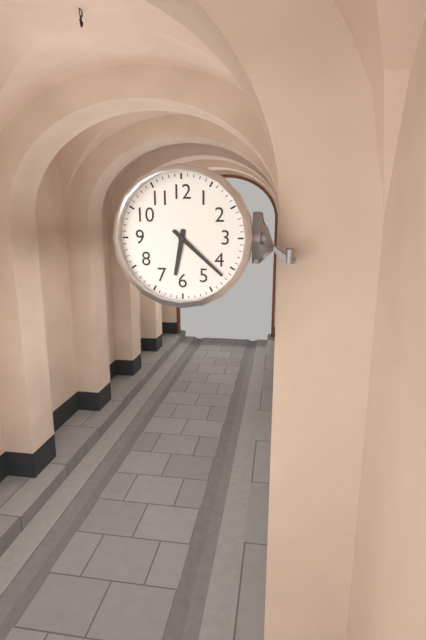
6:22
